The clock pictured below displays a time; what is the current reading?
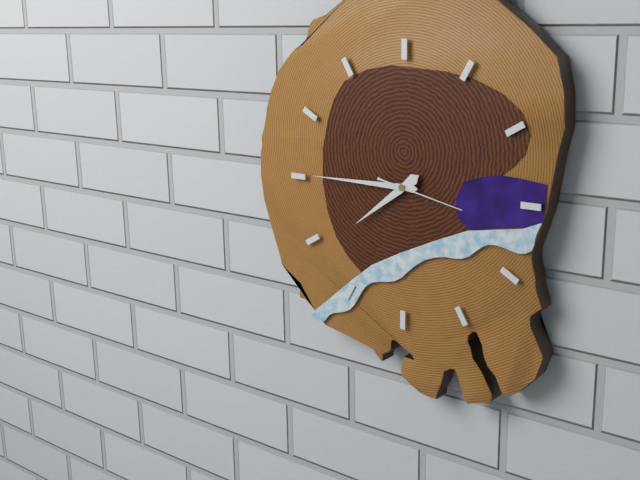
7:45:17
